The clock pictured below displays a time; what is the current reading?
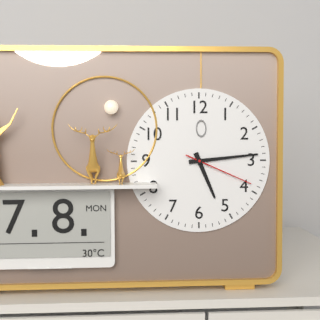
5:14:19
